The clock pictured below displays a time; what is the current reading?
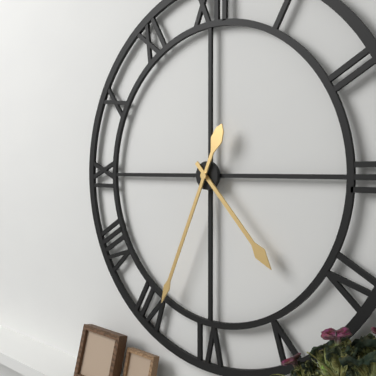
4:34
